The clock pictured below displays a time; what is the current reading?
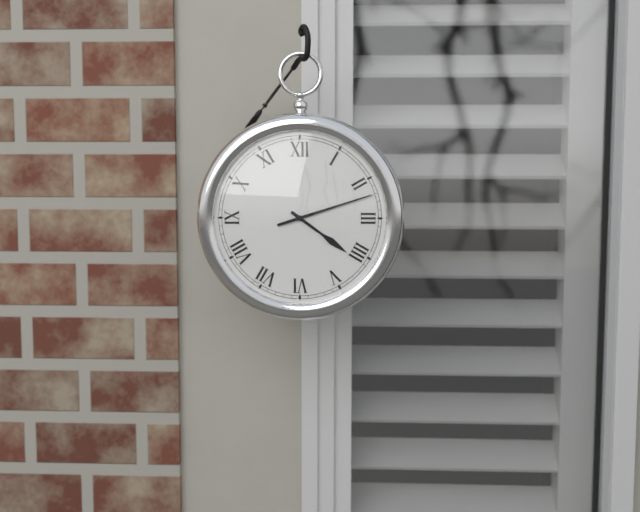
4:12
